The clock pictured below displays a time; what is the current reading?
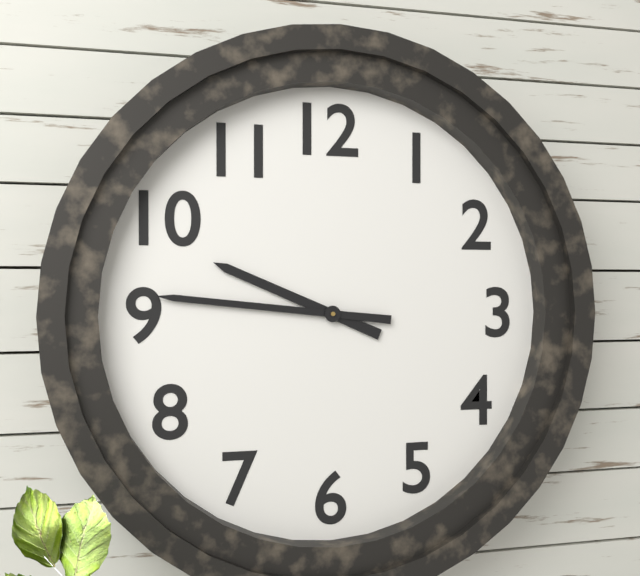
9:46
